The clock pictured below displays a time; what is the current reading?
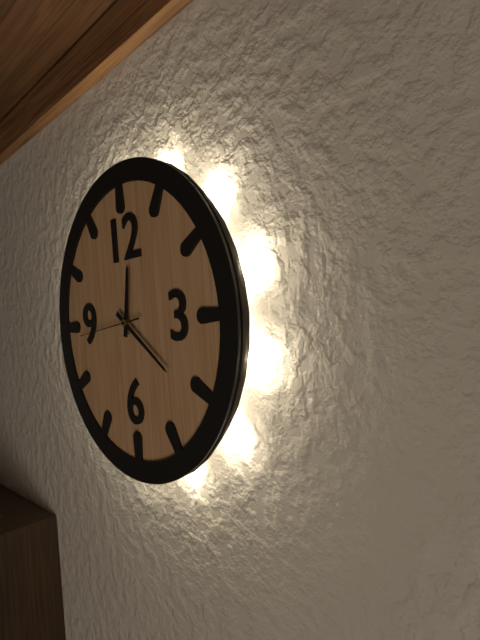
12:21:44
